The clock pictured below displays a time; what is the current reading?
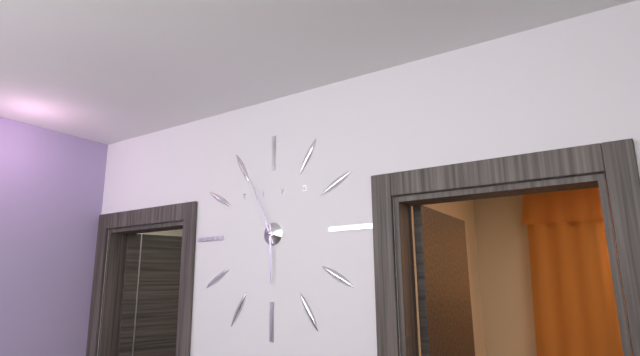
5:56
